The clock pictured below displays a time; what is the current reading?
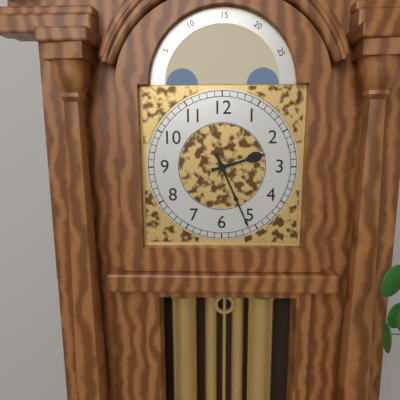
2:26
